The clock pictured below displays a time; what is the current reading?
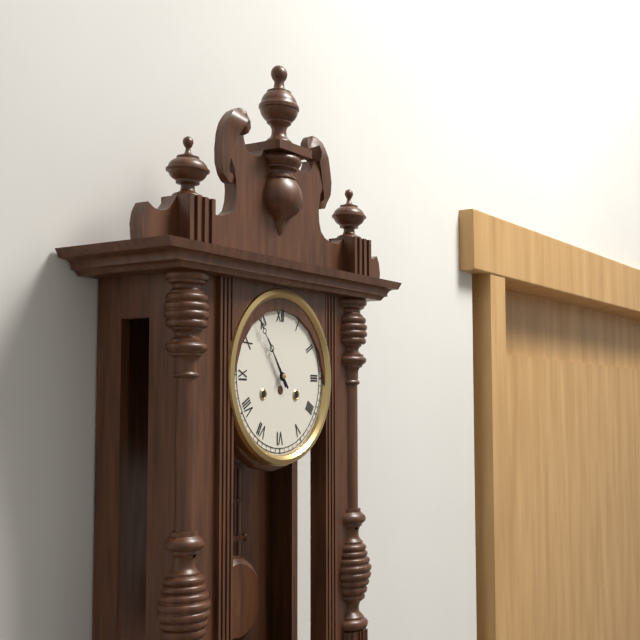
10:54
